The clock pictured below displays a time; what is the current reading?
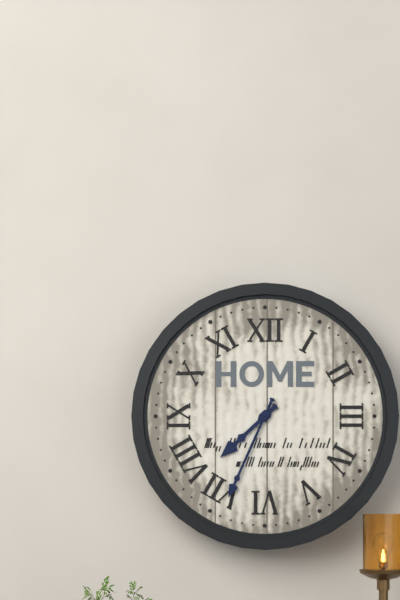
7:34
